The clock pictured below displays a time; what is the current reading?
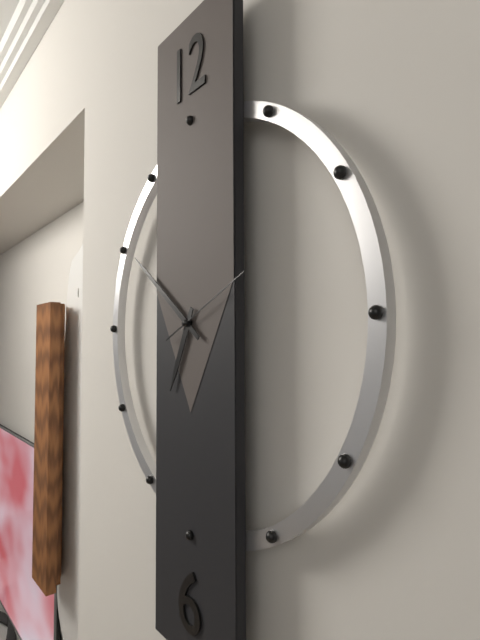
6:51:11
